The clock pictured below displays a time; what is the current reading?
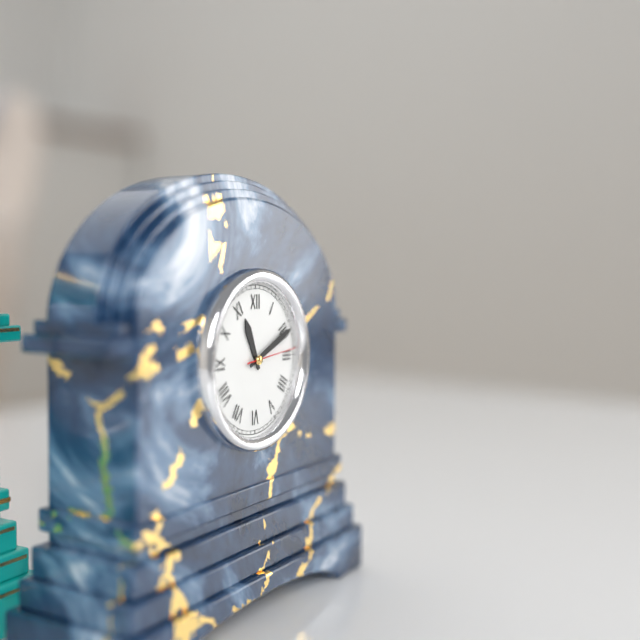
11:11:14
